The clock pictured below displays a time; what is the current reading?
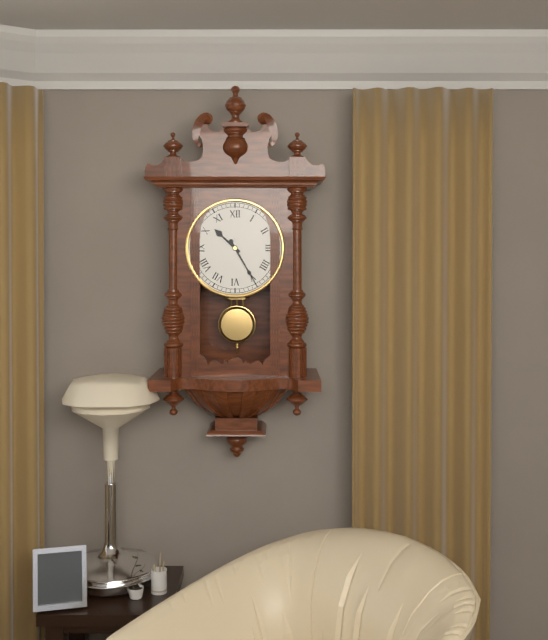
10:25
